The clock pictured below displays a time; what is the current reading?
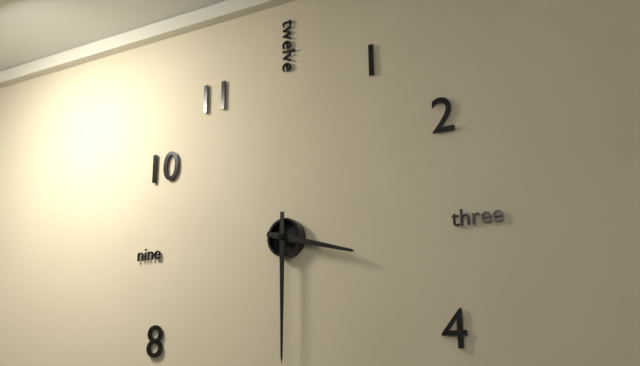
3:30
